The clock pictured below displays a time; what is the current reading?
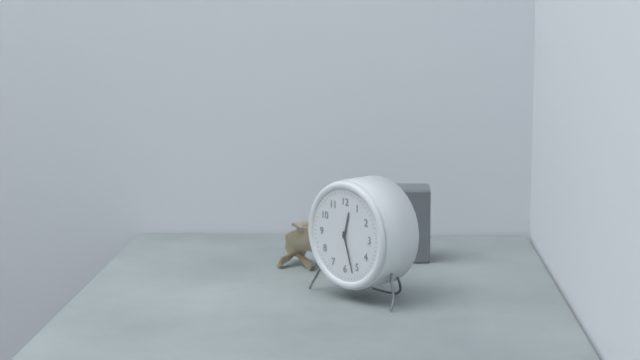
12:27
